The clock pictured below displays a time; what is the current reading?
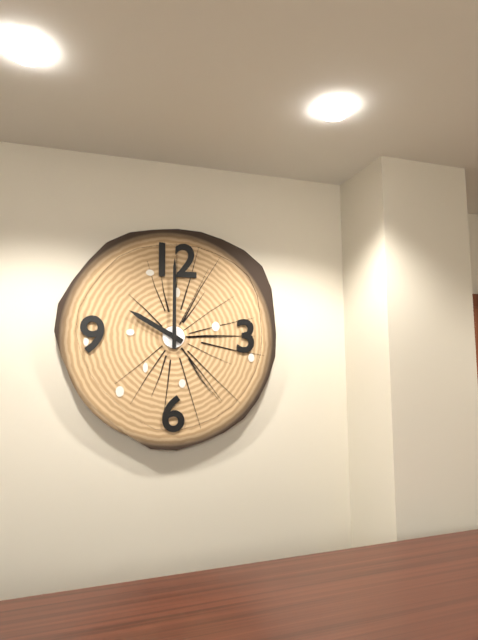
10:00
